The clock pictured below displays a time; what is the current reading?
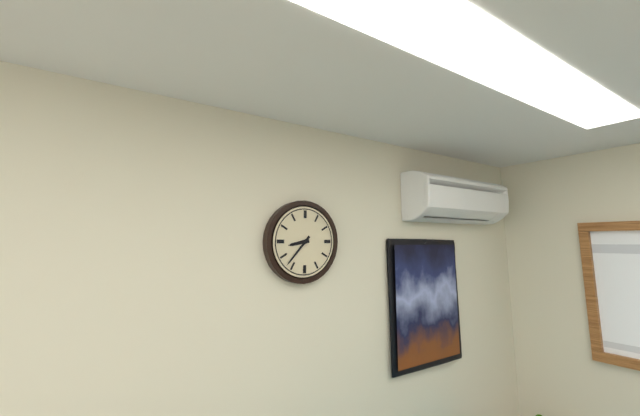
8:37
